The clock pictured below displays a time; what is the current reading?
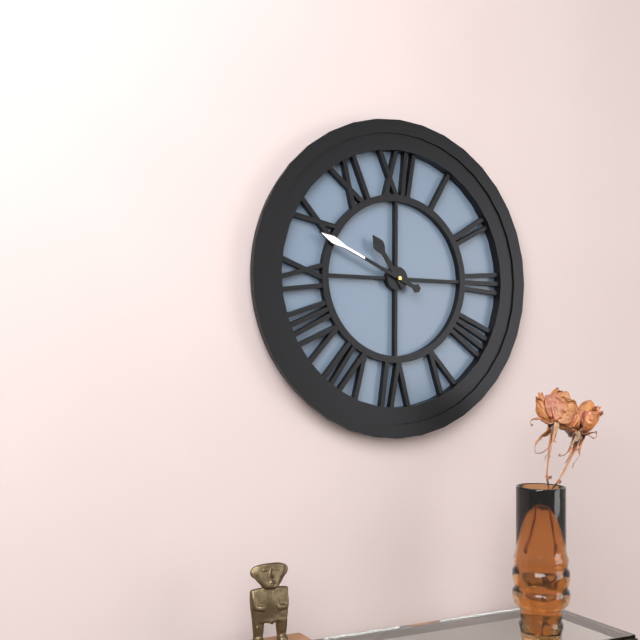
10:49
